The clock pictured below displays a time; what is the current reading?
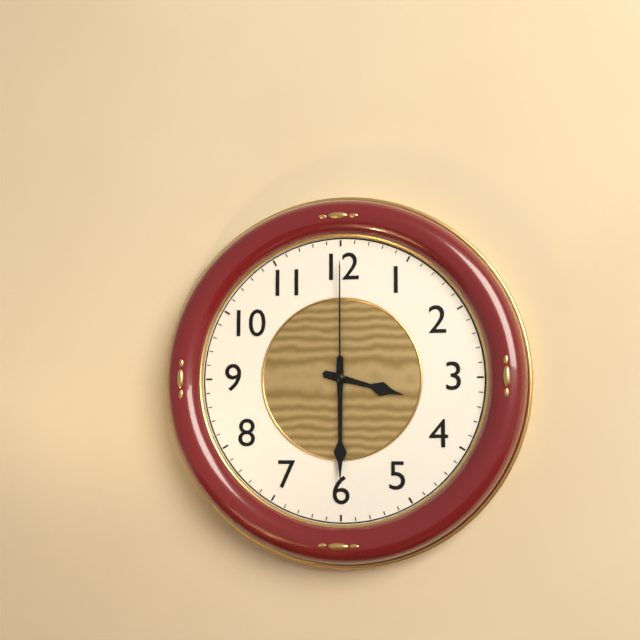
3:30:00
